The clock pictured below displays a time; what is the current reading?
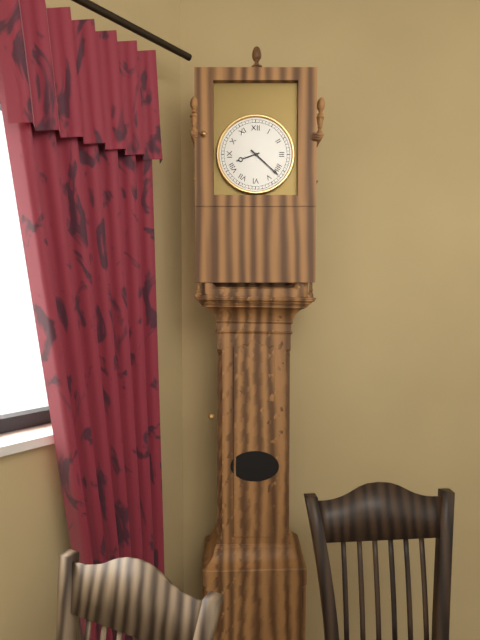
8:22
